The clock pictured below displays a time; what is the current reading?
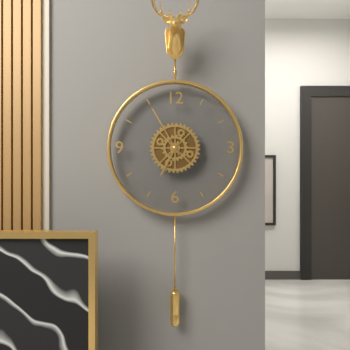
6:55
